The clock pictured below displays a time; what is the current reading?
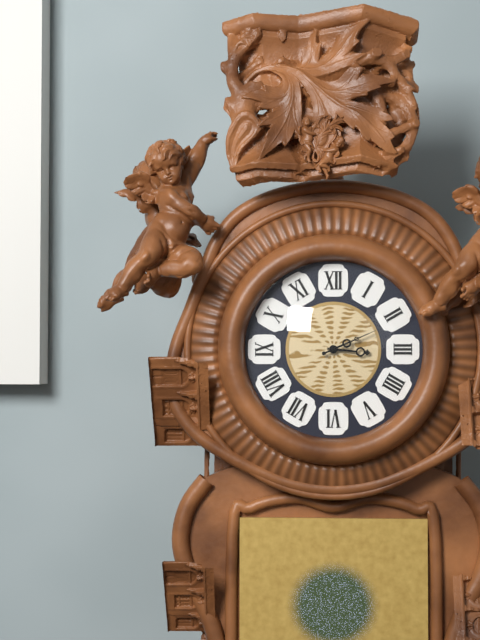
3:11
